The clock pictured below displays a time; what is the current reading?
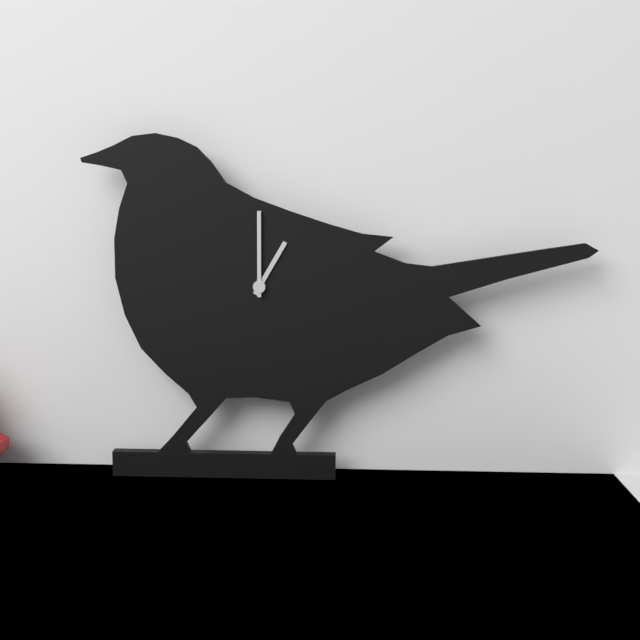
1:00
